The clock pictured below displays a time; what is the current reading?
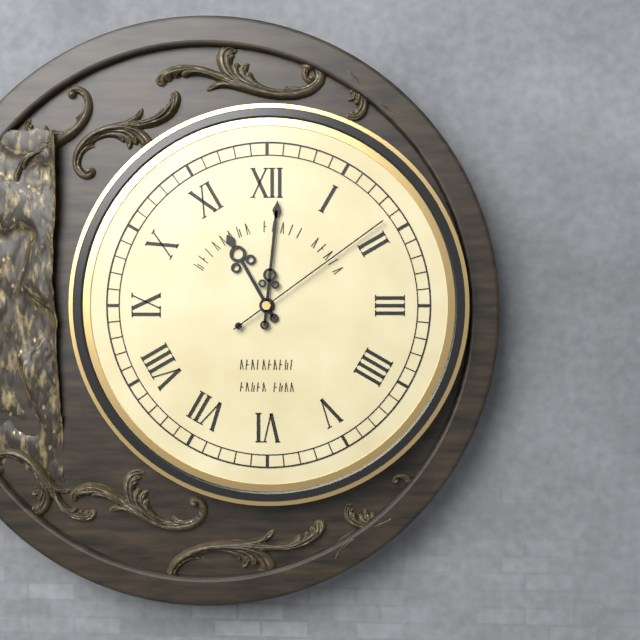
11:01:09
